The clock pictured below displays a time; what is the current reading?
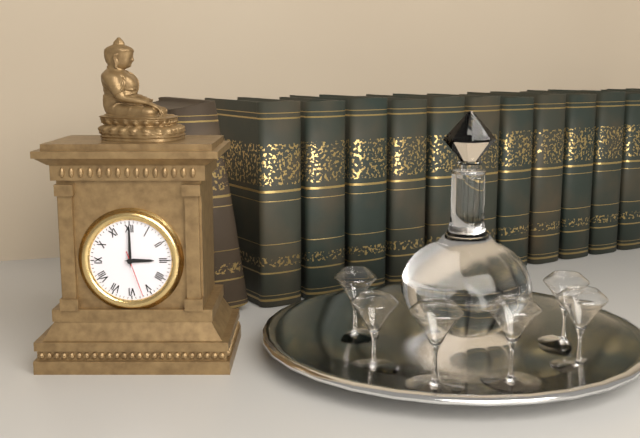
3:00
